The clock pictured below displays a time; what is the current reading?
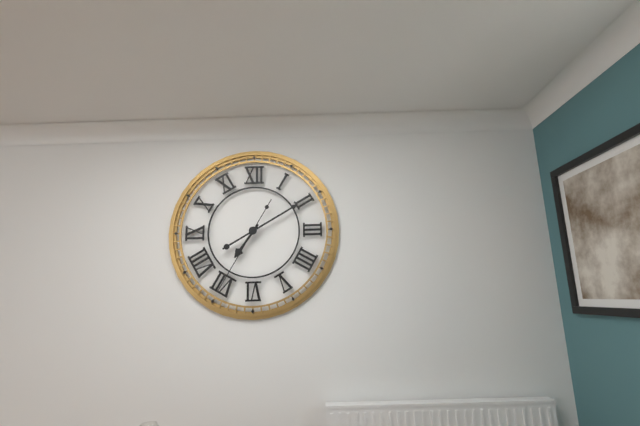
7:10:35
